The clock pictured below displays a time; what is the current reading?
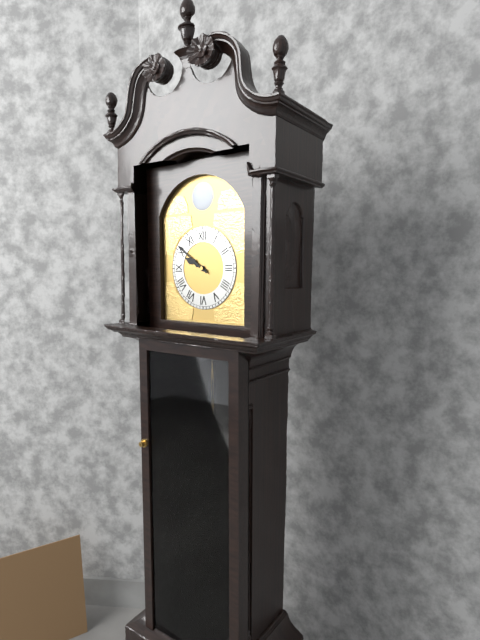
9:51
